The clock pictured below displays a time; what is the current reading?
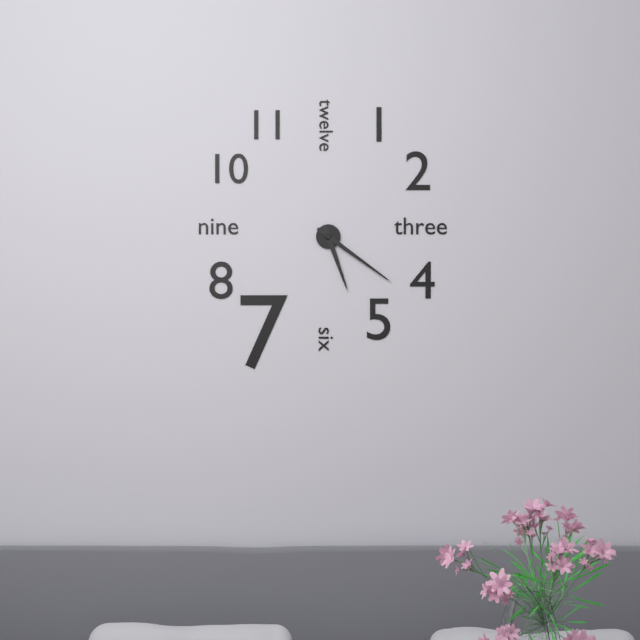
5:21
